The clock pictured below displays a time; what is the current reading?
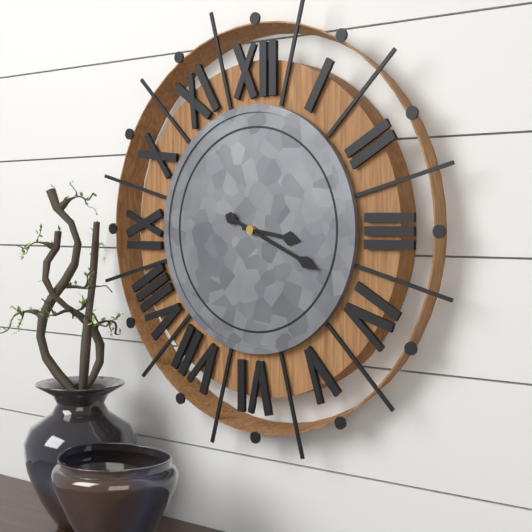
3:19
